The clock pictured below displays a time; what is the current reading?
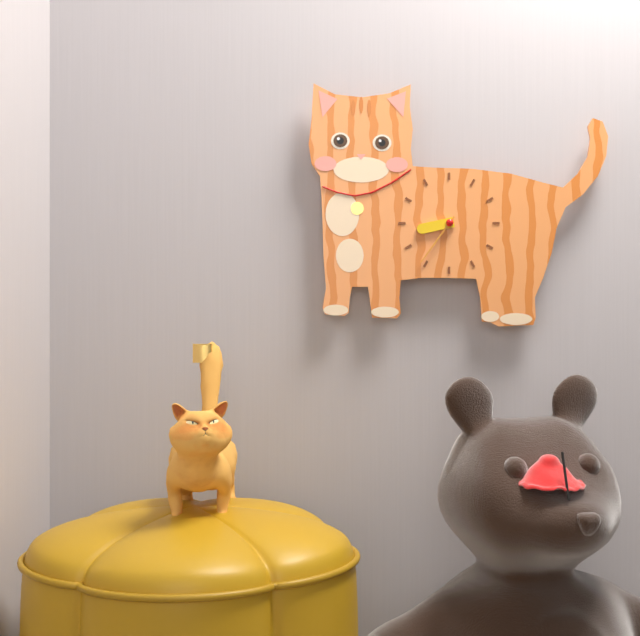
8:36
